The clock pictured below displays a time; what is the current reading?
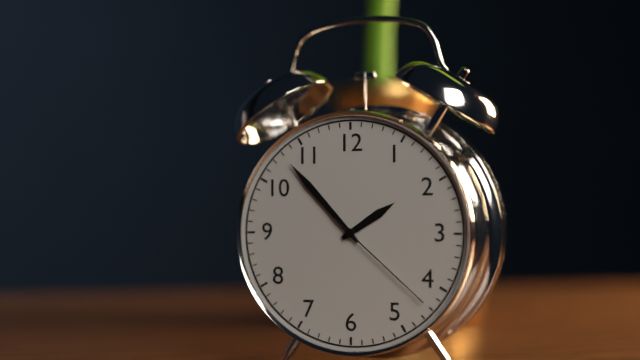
1:53:22
